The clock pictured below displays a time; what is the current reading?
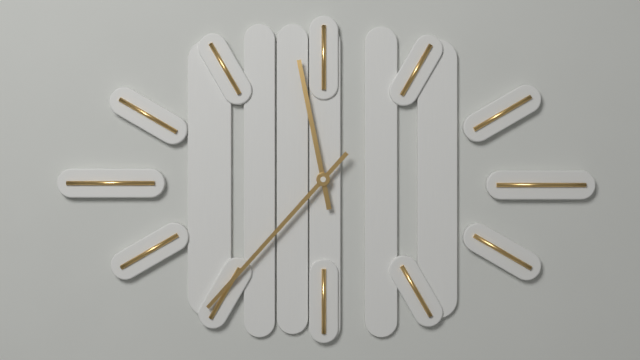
11:37
